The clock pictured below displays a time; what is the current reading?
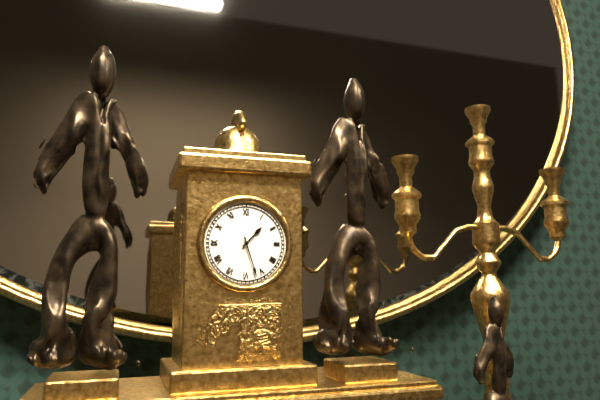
1:27
